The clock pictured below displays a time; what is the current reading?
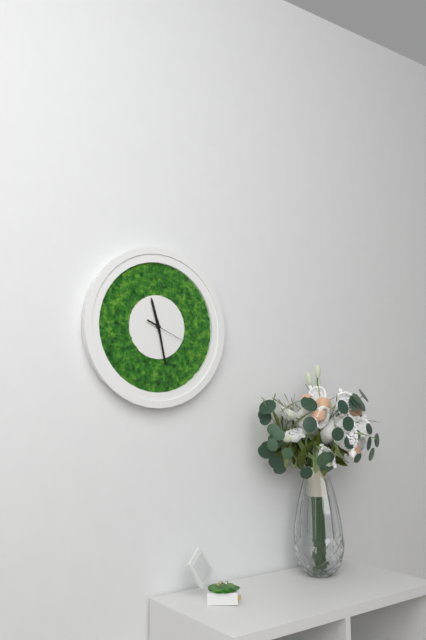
11:28
